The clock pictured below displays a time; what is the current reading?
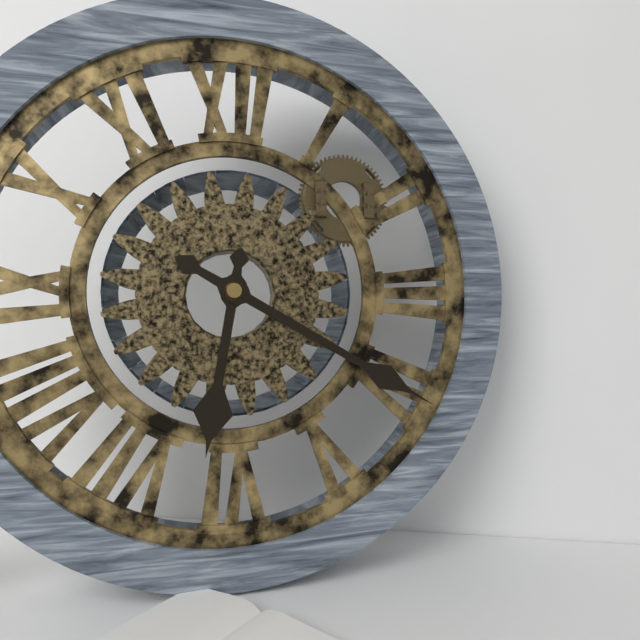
6:20
